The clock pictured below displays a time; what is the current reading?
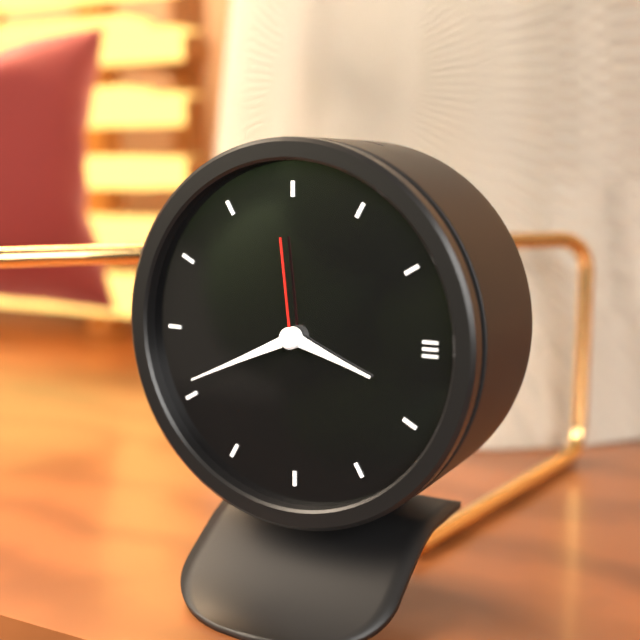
3:41:59
